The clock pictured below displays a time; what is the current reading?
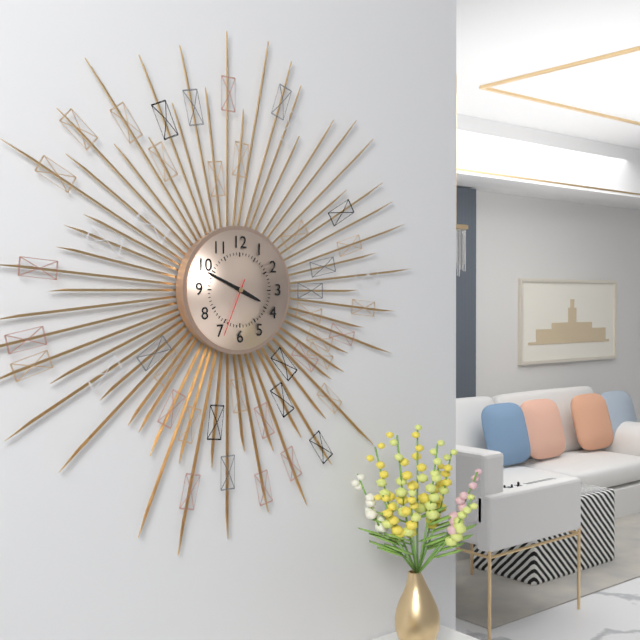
3:49:34
